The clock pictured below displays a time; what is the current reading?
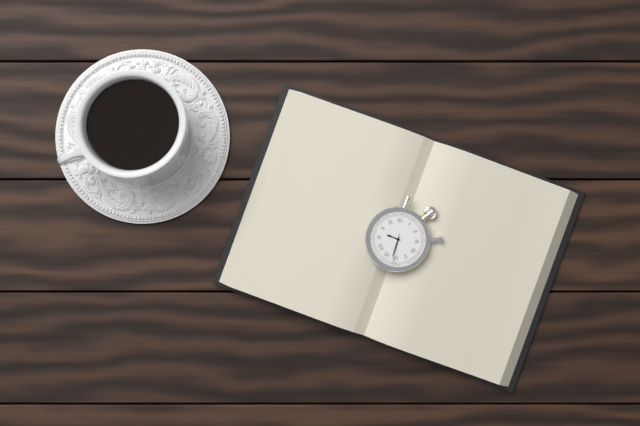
9:32
